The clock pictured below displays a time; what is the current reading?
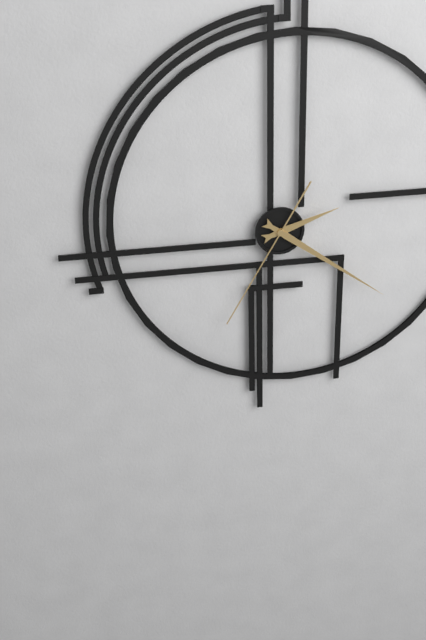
2:21:35
